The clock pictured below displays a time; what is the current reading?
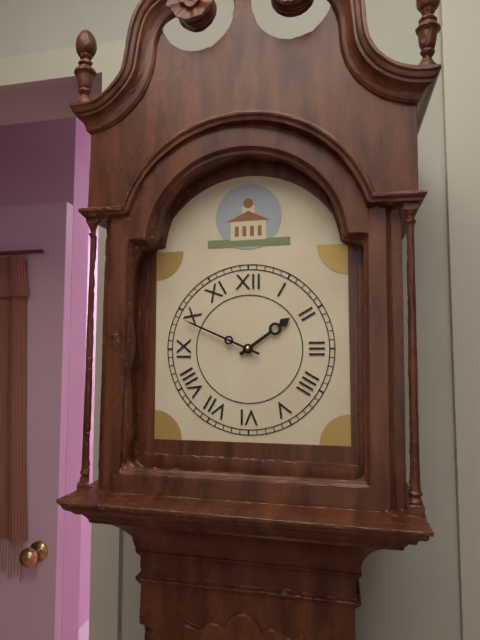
1:49
